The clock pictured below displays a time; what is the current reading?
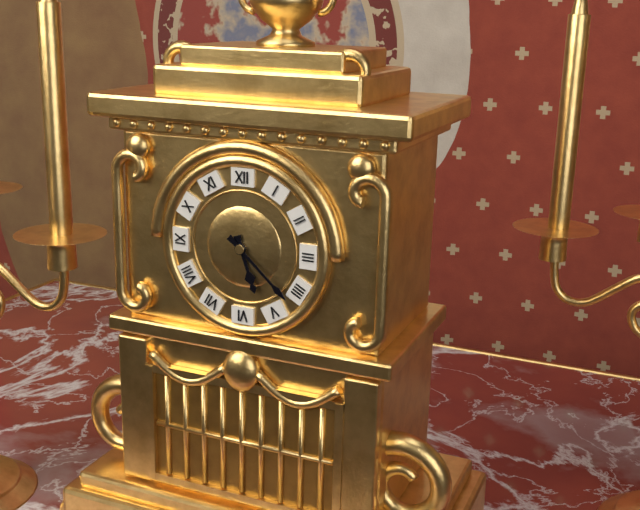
5:22
